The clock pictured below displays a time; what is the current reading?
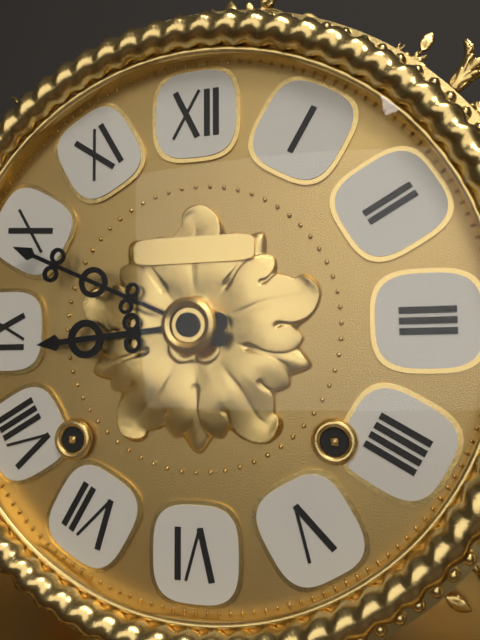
8:49
